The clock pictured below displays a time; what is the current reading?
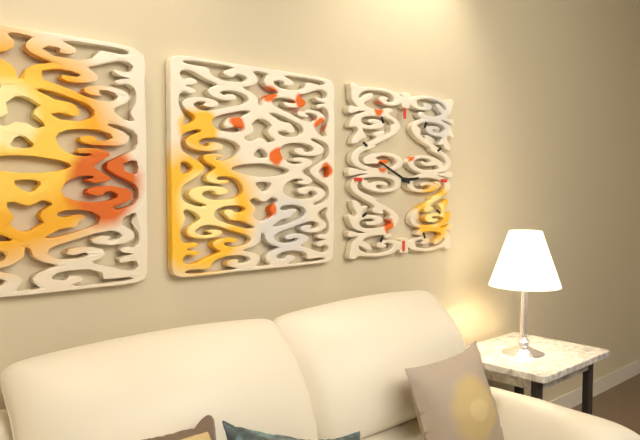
2:49
